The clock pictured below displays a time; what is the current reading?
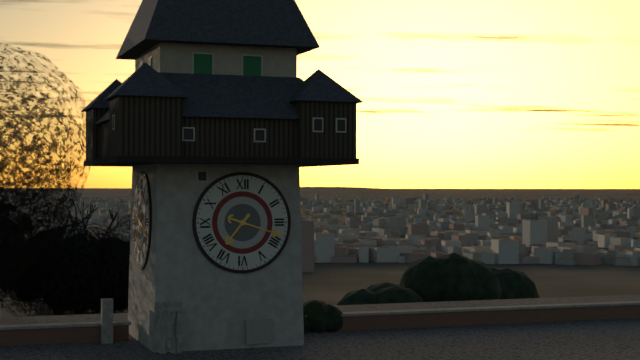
7:18
